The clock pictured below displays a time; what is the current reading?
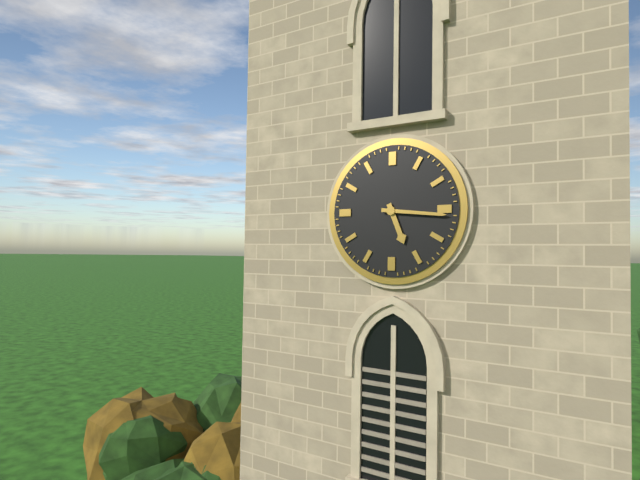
5:16
